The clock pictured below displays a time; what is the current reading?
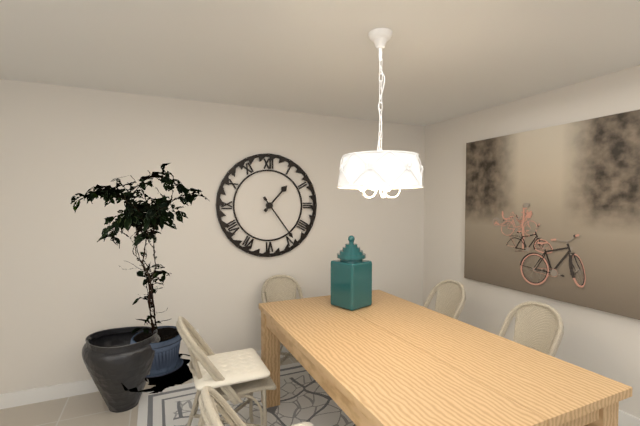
1:24
